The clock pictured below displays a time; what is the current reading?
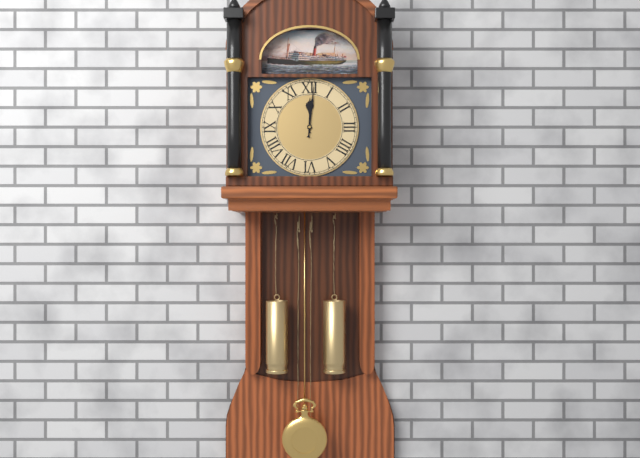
12:01
